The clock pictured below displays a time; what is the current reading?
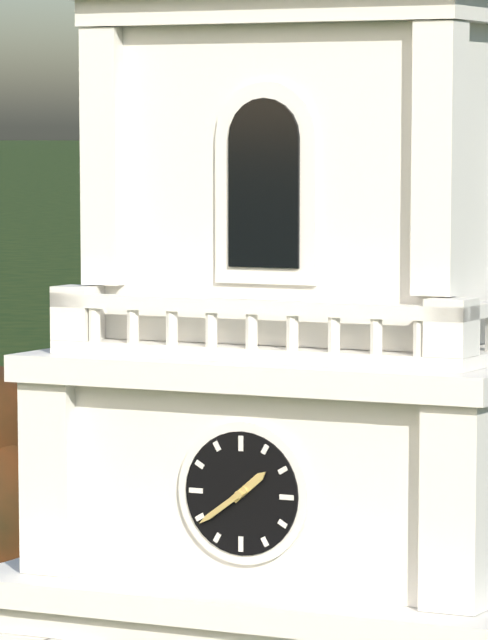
1:39
